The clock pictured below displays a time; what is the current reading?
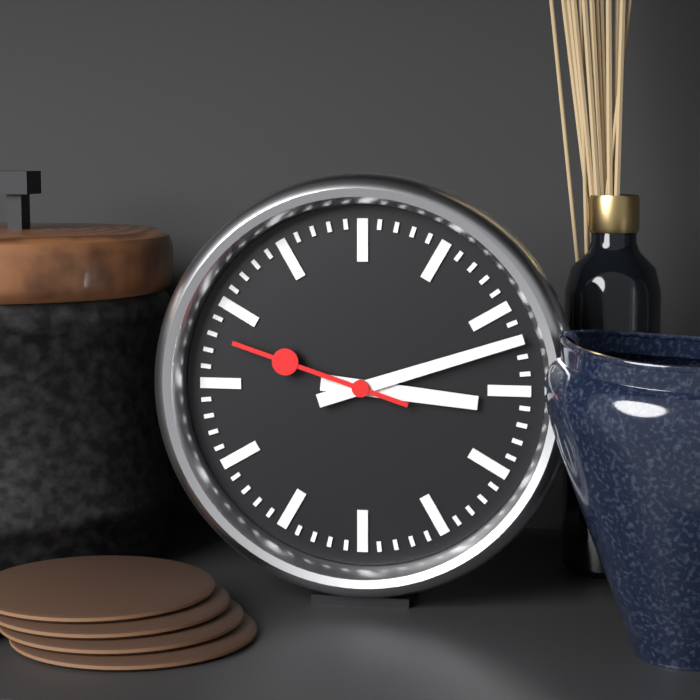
3:12:48
